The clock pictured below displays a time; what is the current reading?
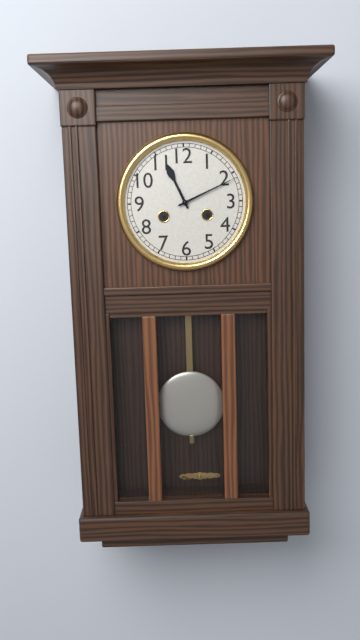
11:11
